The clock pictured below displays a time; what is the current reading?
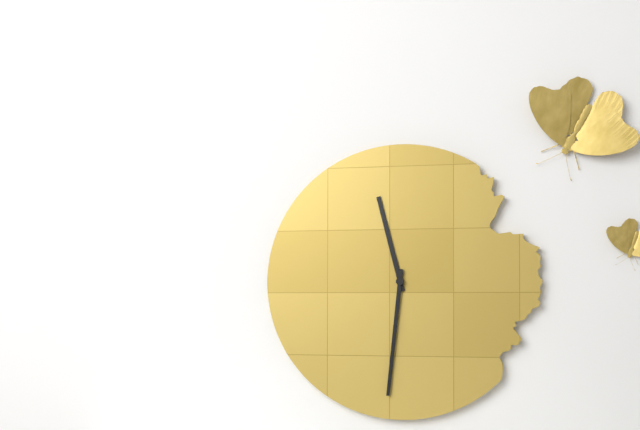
11:31
